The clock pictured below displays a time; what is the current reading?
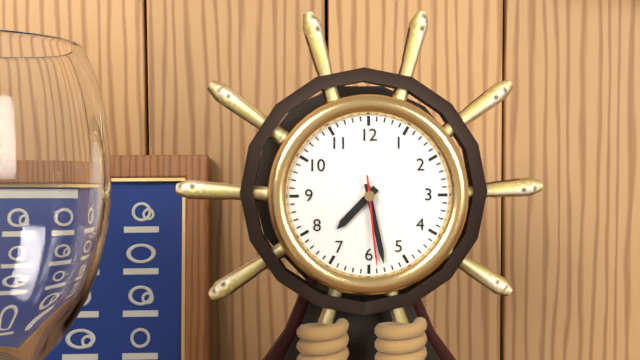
7:28:29
